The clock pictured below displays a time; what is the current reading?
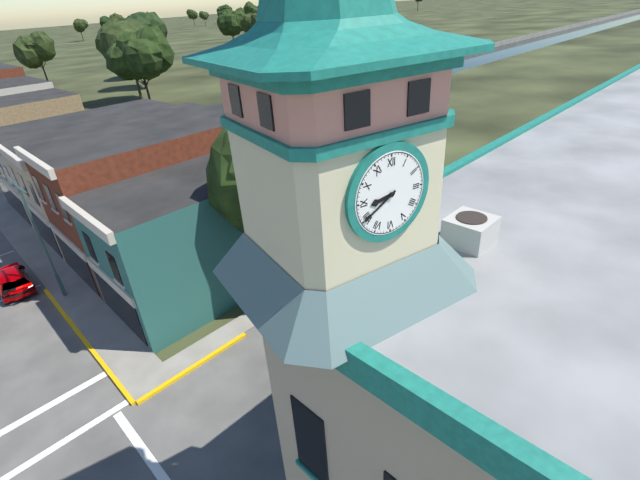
8:40
